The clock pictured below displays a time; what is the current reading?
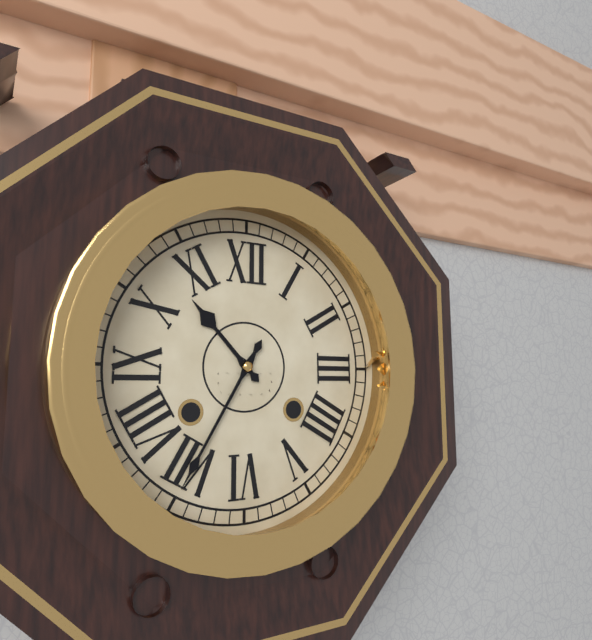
10:35
